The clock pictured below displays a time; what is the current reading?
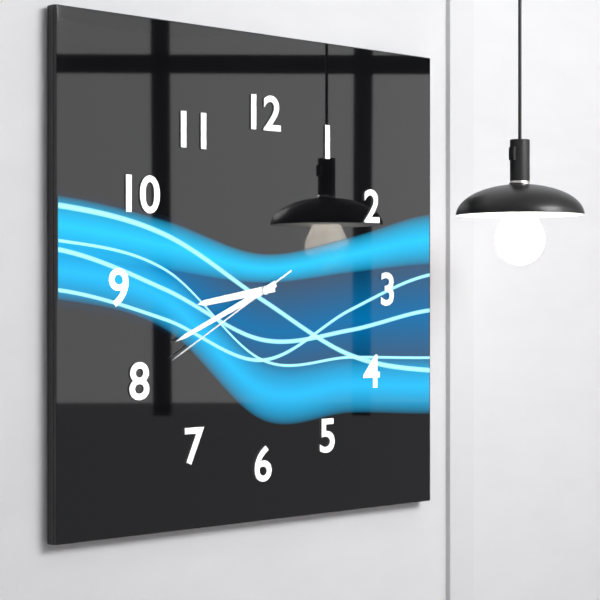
8:41:40
